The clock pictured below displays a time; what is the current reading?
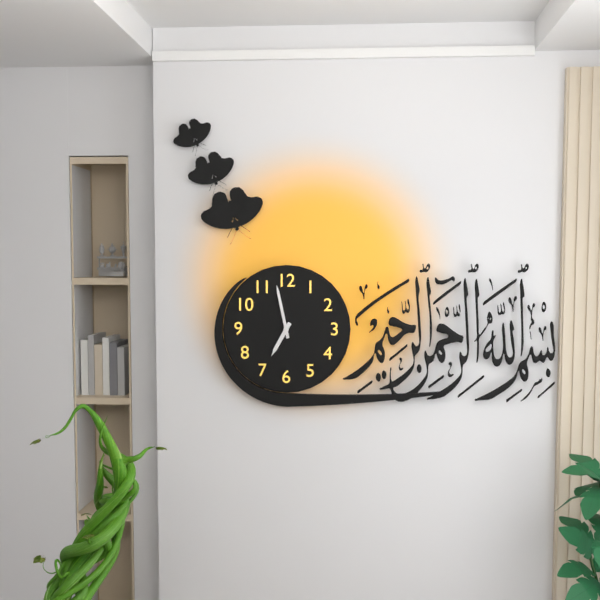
6:58
